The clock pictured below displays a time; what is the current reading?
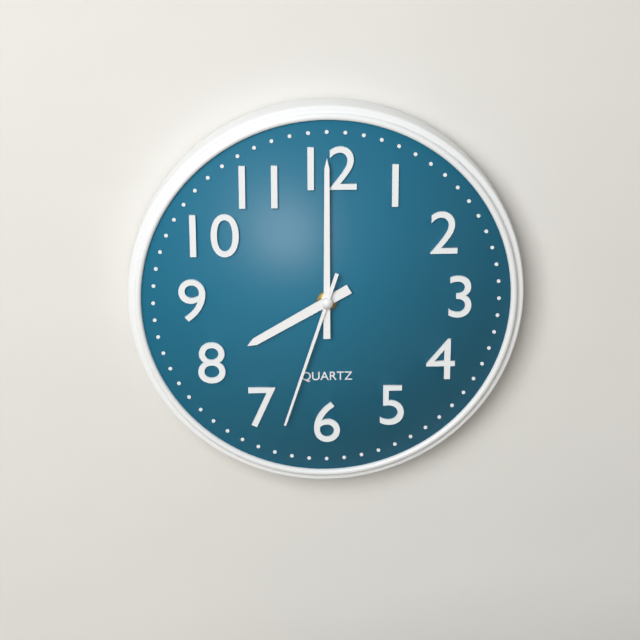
8:00:33
